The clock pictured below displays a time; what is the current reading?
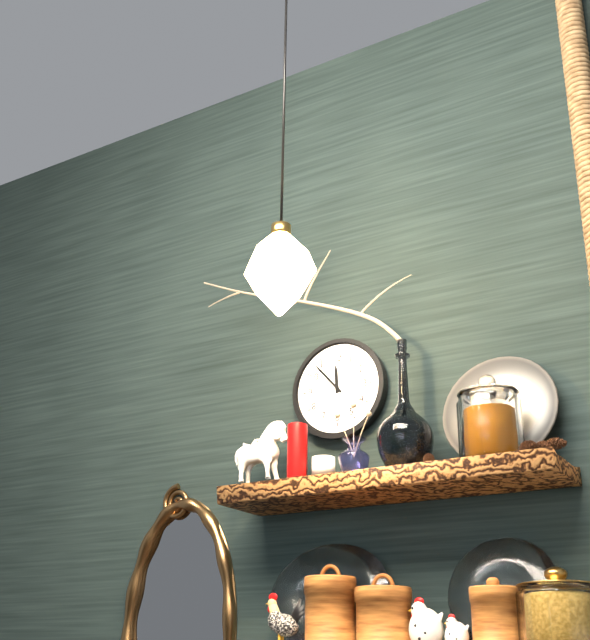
11:53
